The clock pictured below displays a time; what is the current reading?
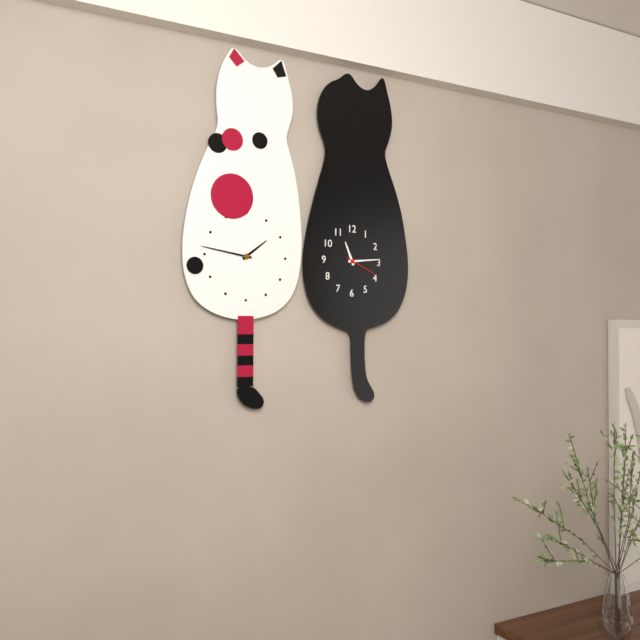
11:14
